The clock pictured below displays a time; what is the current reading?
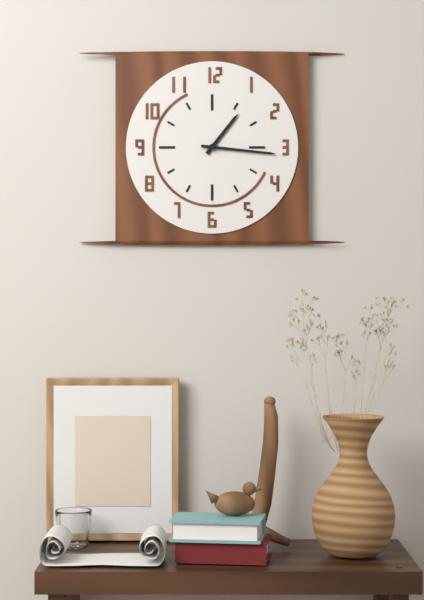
1:16
